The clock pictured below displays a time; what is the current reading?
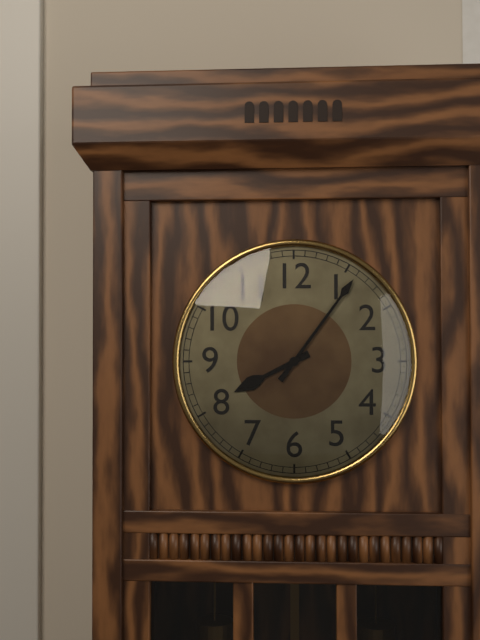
8:06
